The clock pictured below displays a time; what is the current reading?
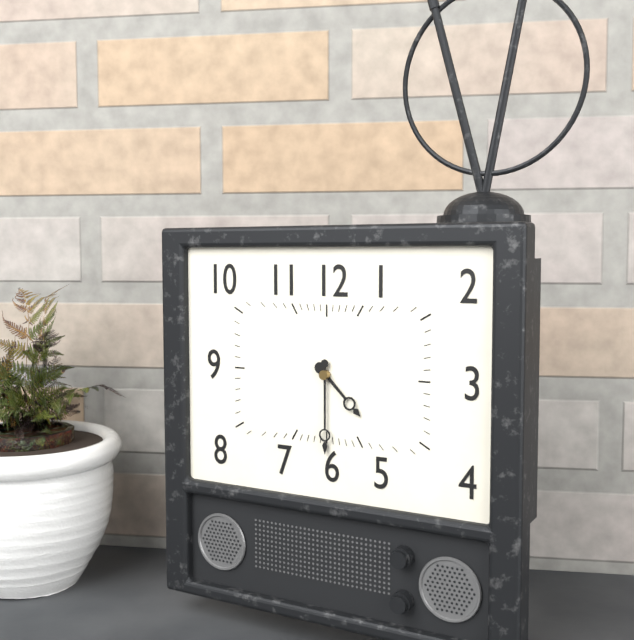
4:30
